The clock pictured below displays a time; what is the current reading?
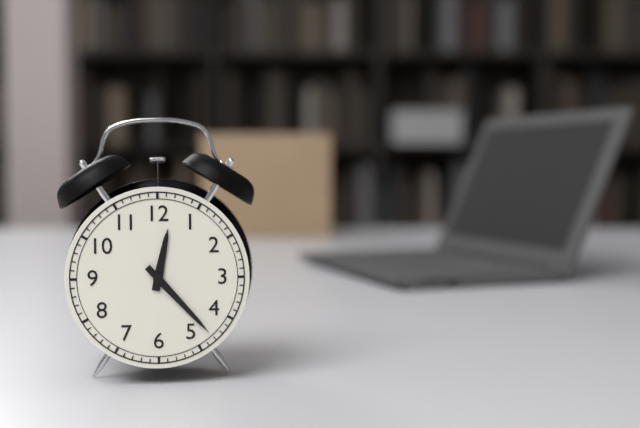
12:23
